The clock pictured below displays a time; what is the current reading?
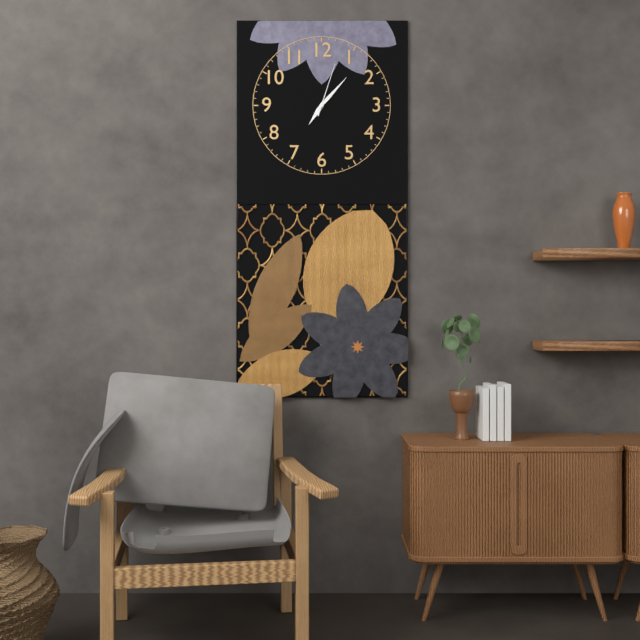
7:07:03
